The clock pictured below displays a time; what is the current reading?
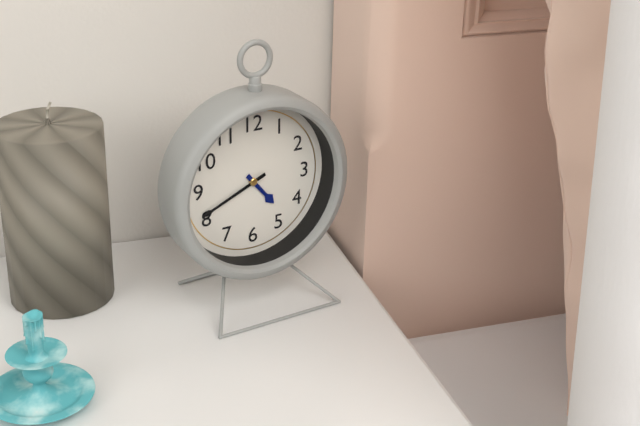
4:41
